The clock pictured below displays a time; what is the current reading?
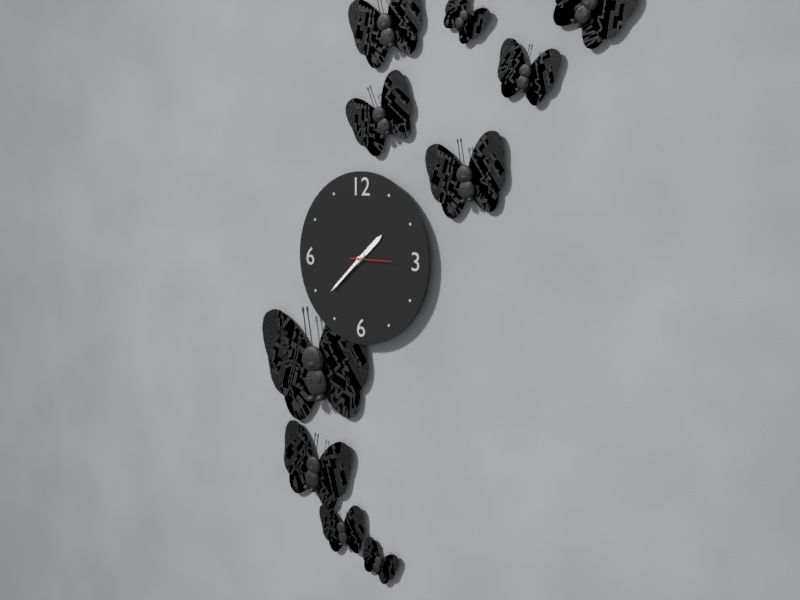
1:38
